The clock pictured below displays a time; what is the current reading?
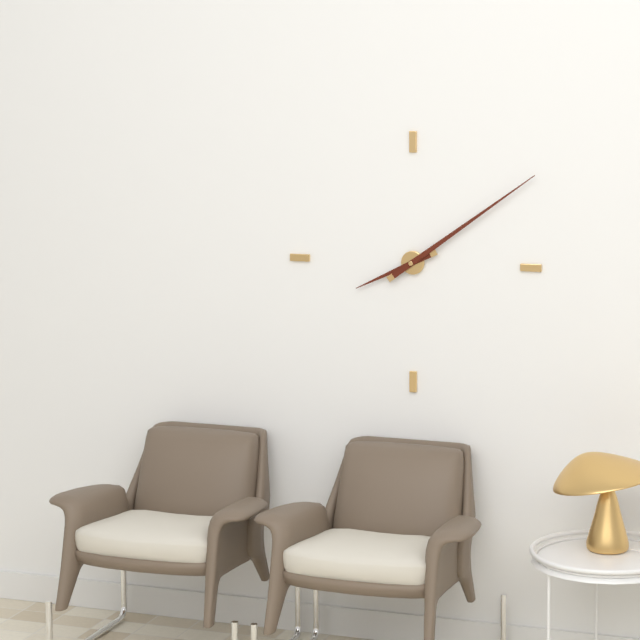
8:09
